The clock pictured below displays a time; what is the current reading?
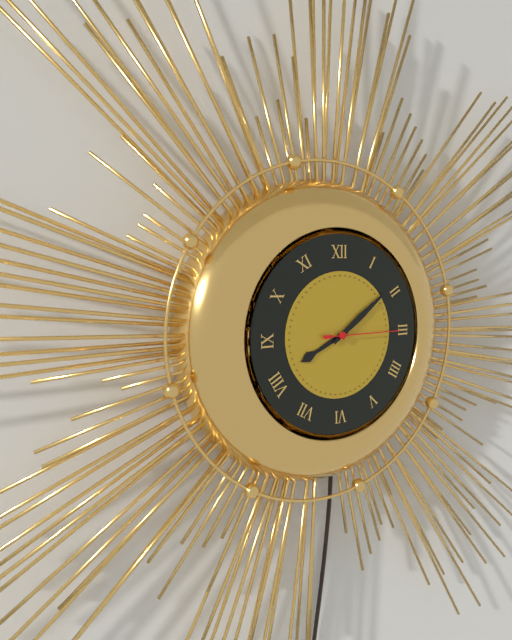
8:09:15
